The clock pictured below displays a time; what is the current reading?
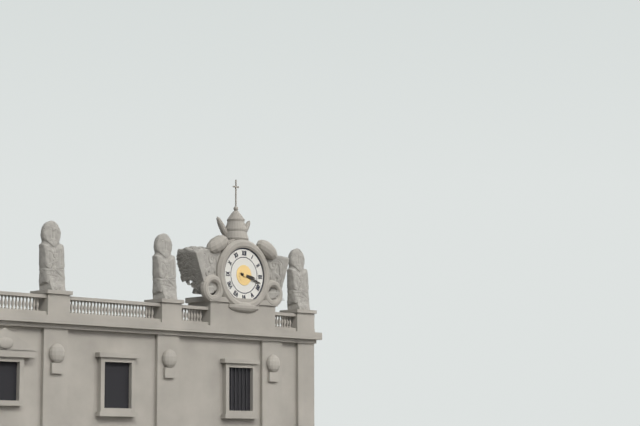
3:18
